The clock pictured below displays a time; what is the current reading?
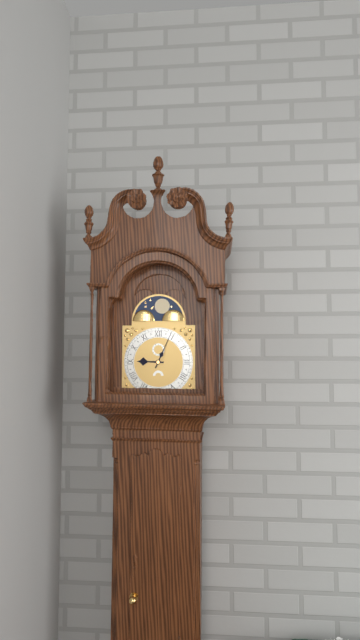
9:04
